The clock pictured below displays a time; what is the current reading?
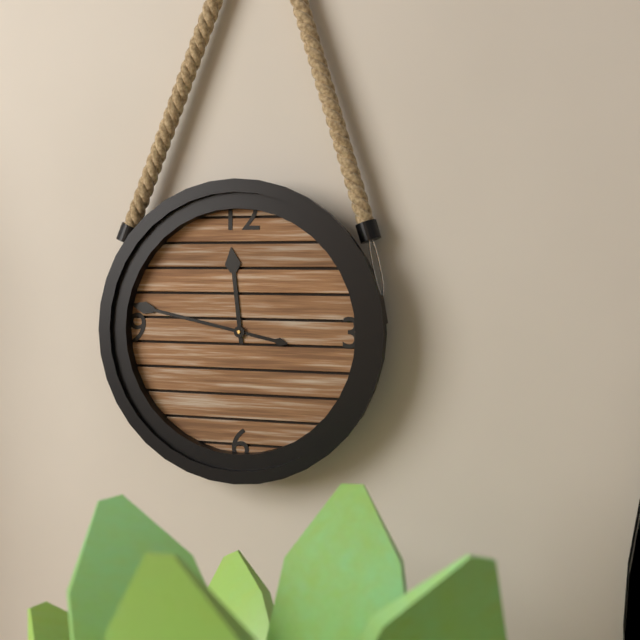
11:47
